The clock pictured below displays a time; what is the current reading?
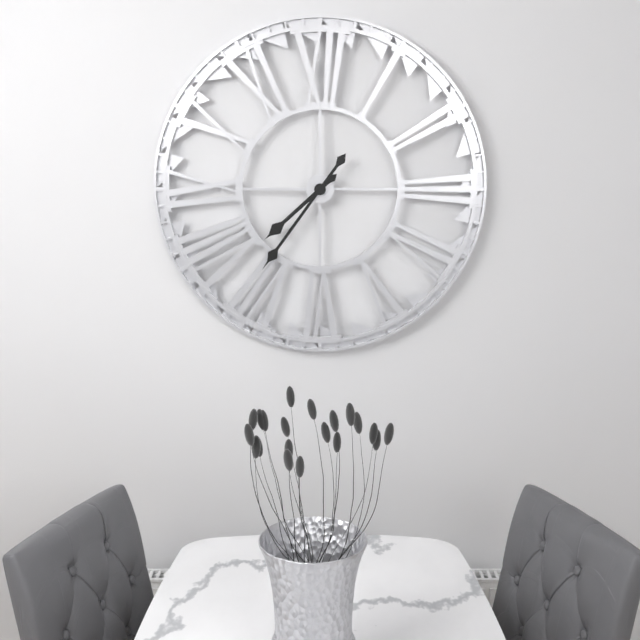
7:36
